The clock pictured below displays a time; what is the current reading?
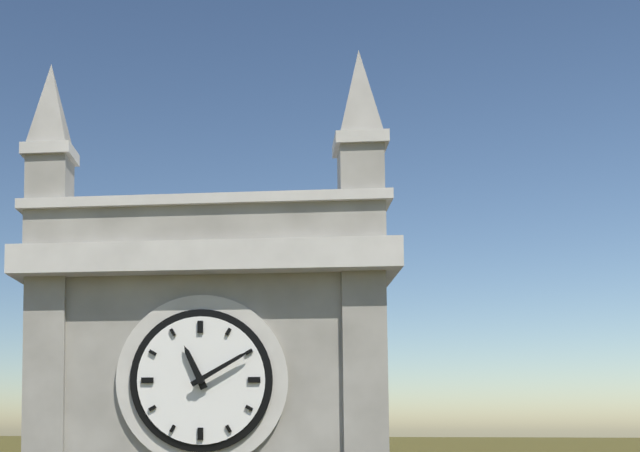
11:10
